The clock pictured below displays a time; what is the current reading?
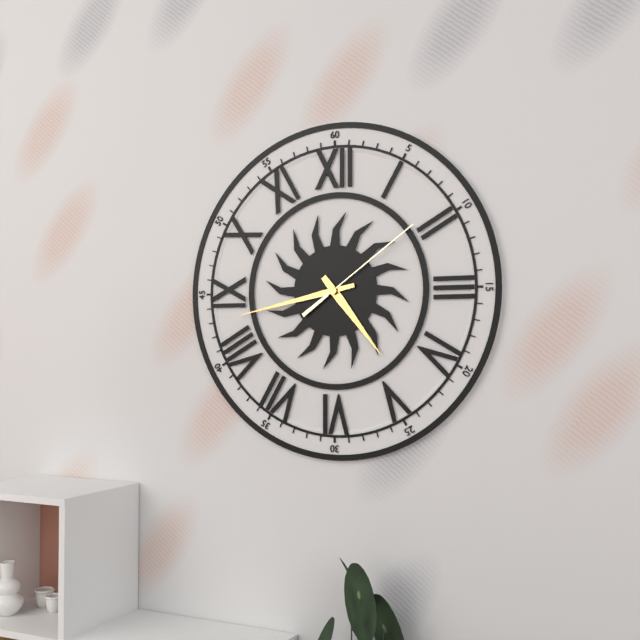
4:43:09
